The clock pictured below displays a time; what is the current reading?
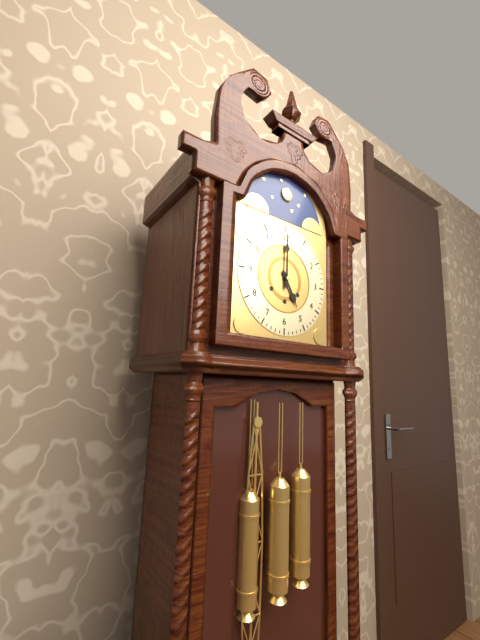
5:00
